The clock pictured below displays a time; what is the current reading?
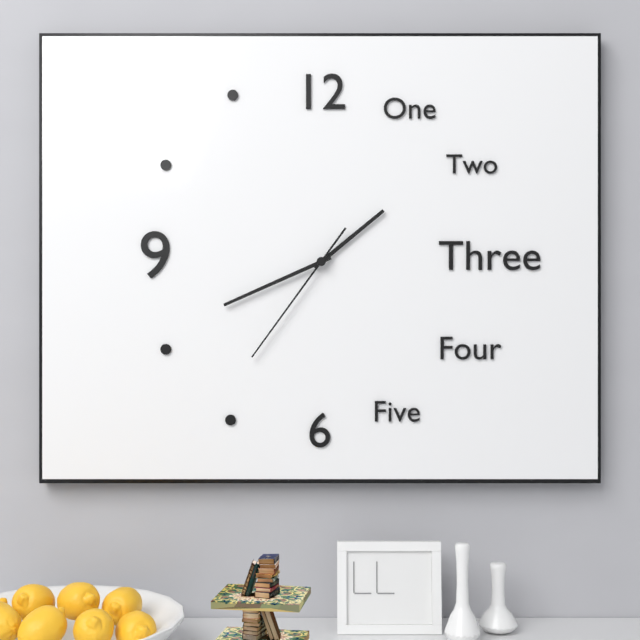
1:41:36
